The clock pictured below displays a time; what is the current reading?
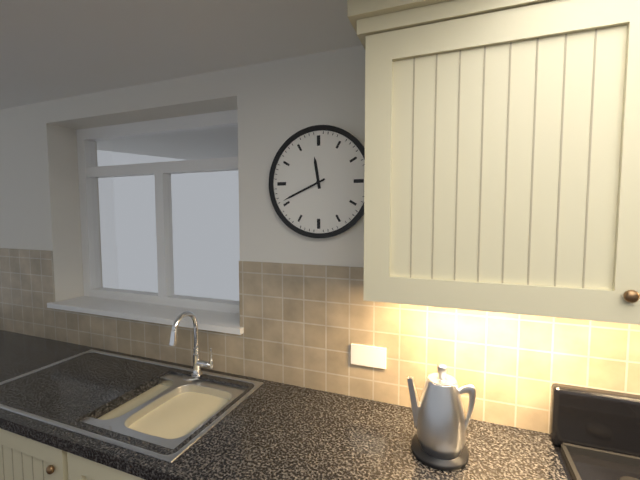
11:41
